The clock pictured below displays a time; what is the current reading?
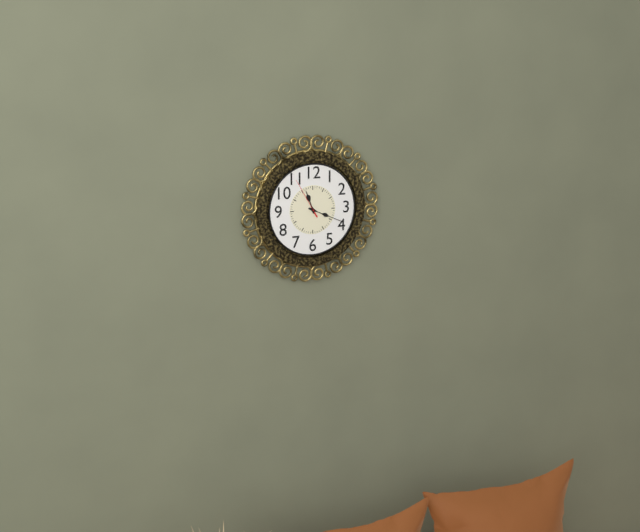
11:19
